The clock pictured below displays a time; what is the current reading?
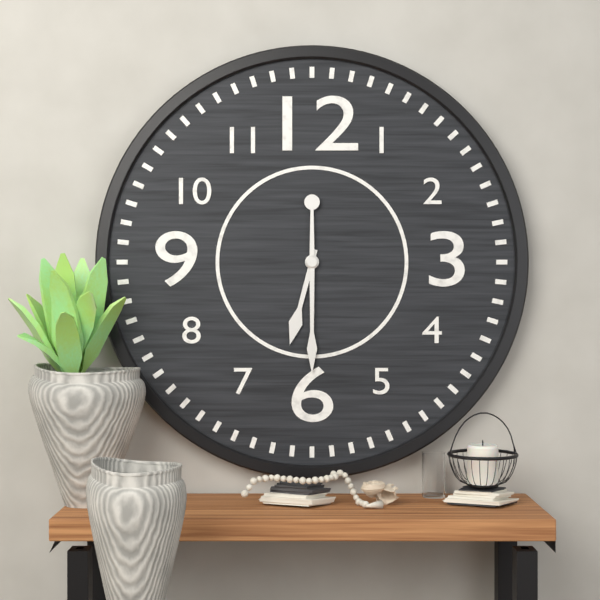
6:30
